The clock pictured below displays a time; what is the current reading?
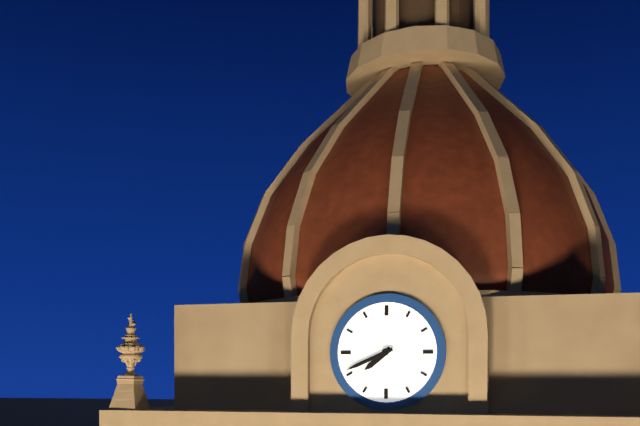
7:41
